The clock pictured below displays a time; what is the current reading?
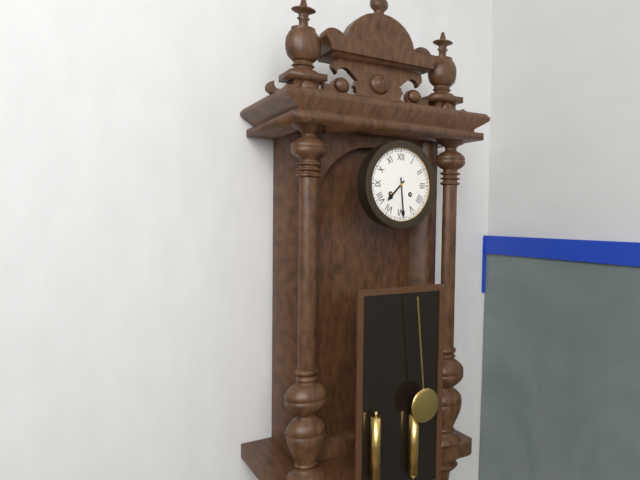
7:29
